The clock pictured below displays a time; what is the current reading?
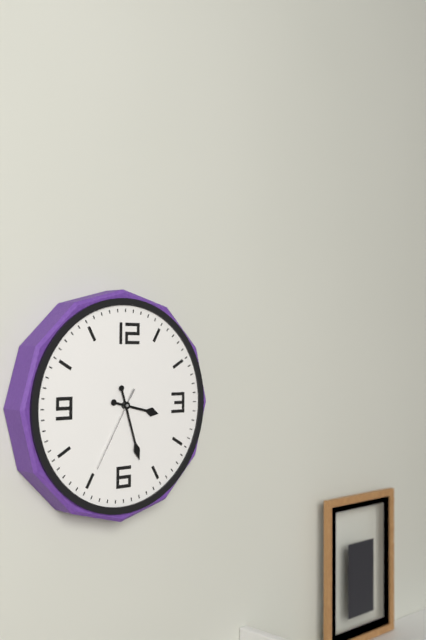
3:27:35
